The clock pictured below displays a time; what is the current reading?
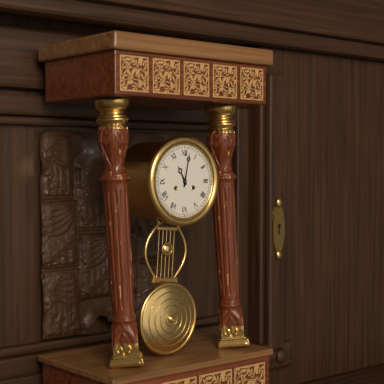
11:02
